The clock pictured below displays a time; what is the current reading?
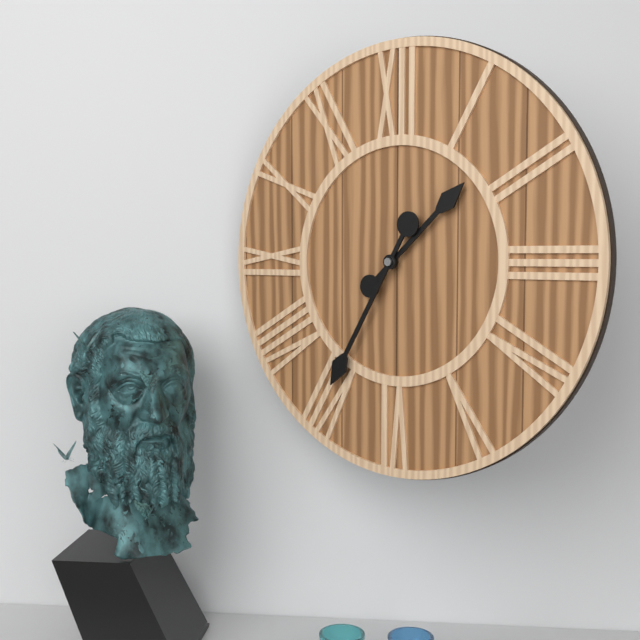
1:35
